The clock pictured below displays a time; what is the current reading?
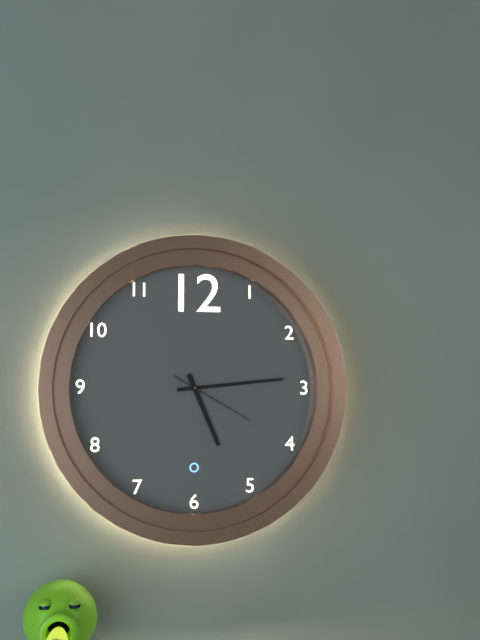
5:14:20
